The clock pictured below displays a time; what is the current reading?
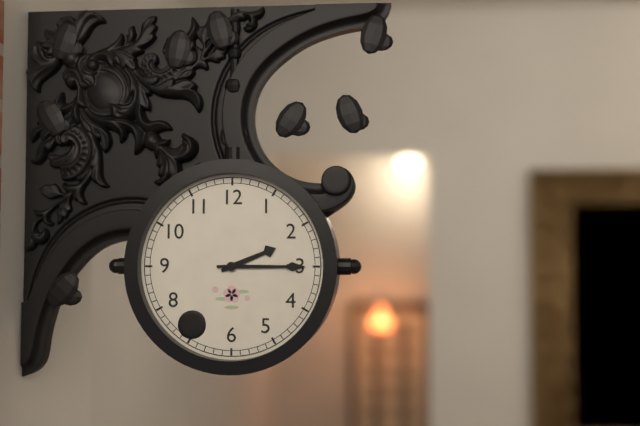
2:15
